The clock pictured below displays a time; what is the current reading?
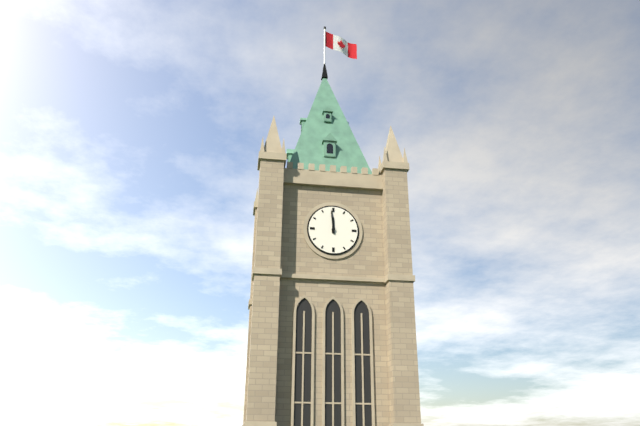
11:59
